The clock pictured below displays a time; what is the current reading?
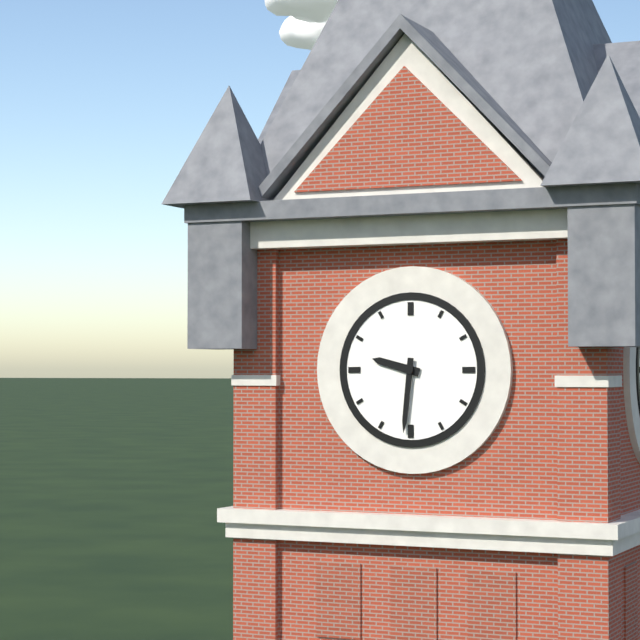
9:31
